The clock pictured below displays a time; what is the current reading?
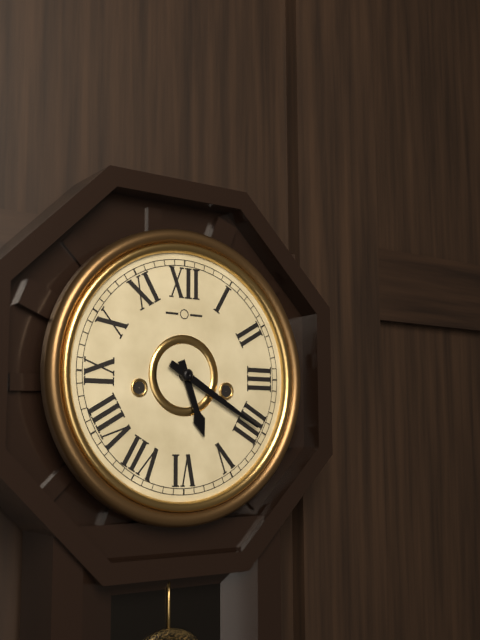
5:20
